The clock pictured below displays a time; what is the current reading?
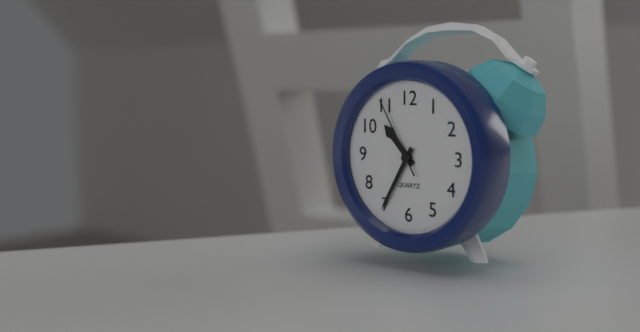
10:35:55
